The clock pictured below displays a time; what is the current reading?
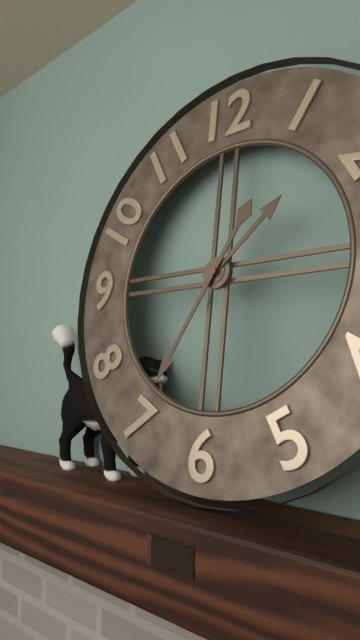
1:35
